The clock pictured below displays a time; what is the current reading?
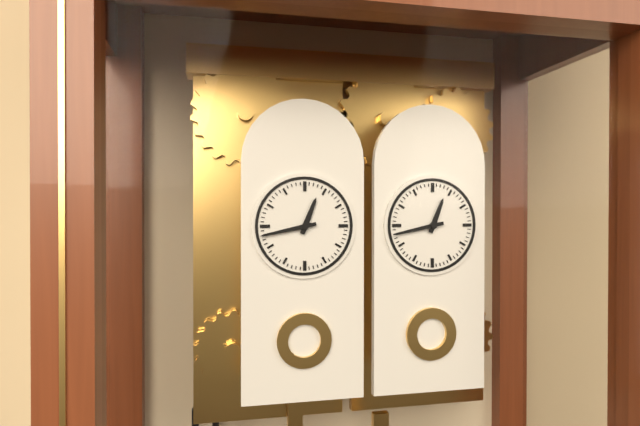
12:43
